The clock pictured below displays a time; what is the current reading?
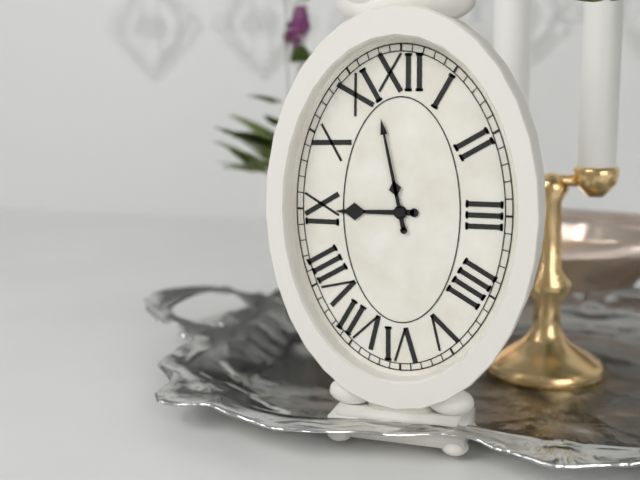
8:58
